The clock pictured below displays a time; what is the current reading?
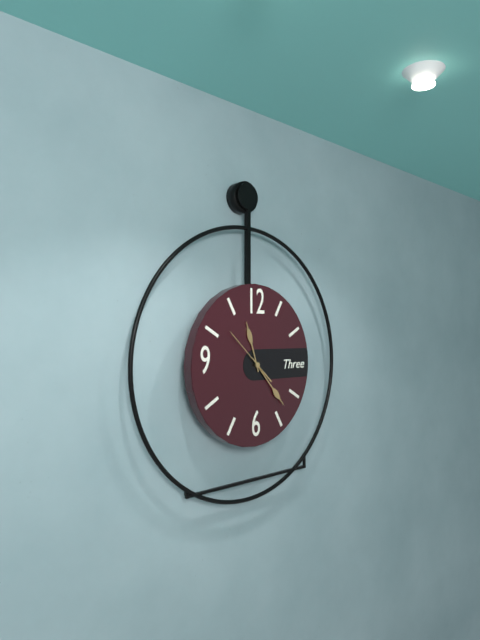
11:23
